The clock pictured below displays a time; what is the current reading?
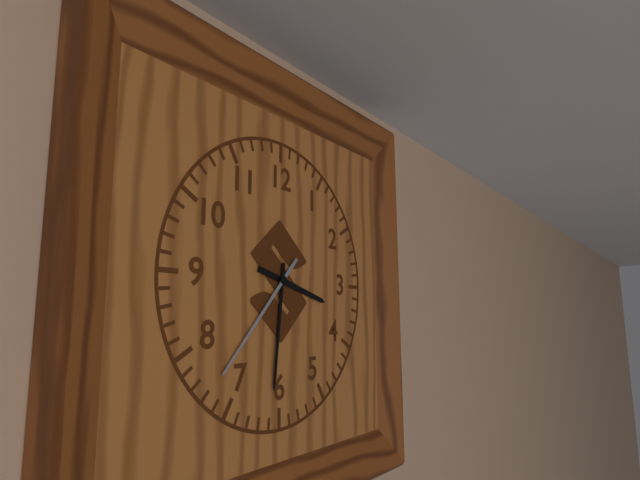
3:31:37
